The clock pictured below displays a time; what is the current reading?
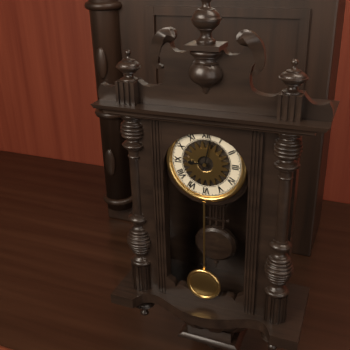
9:02
